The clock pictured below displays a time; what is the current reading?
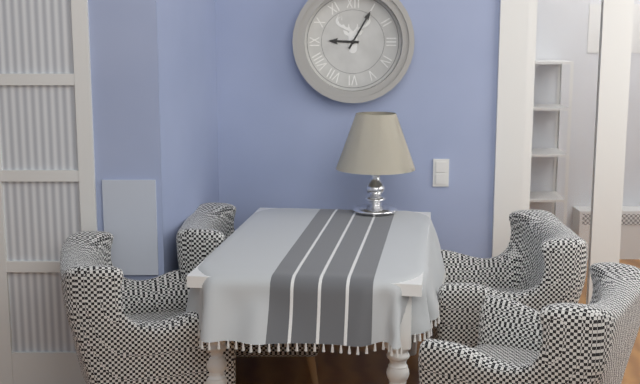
9:05
